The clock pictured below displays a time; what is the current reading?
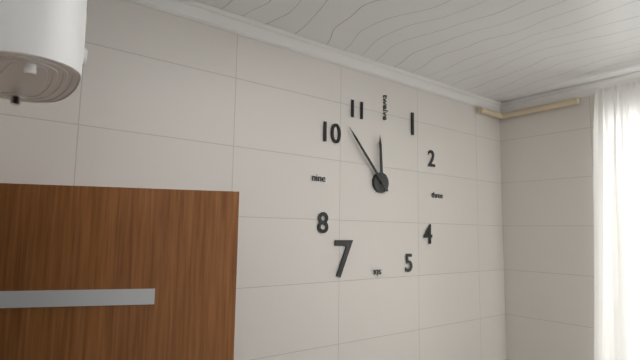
11:53
